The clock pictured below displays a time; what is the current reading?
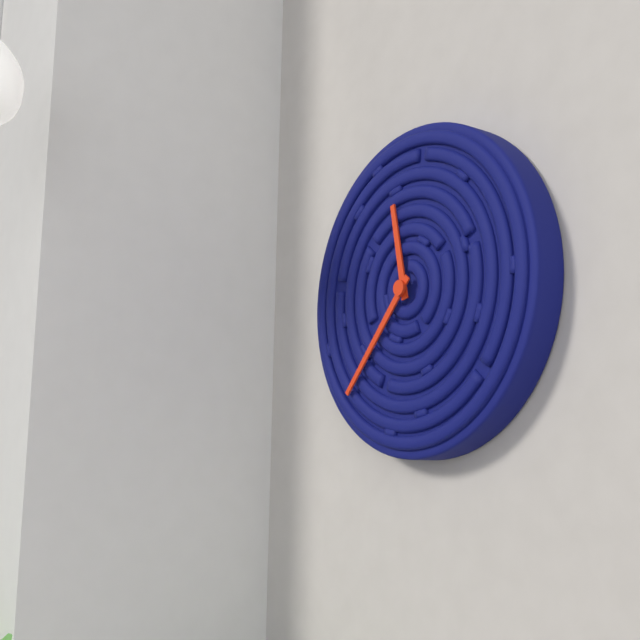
11:37
